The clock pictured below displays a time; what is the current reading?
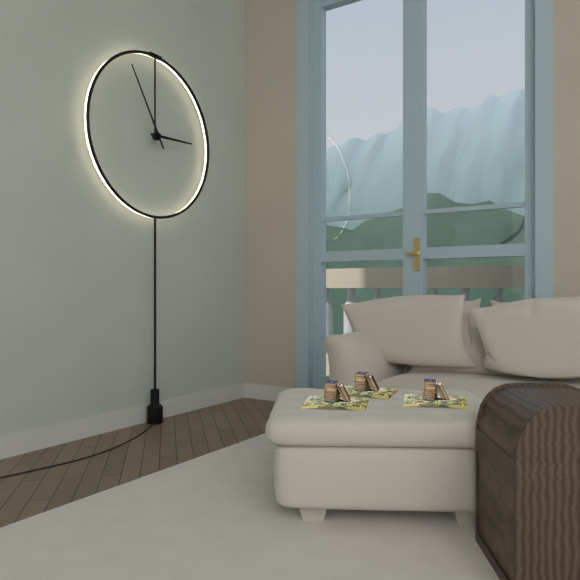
2:55
